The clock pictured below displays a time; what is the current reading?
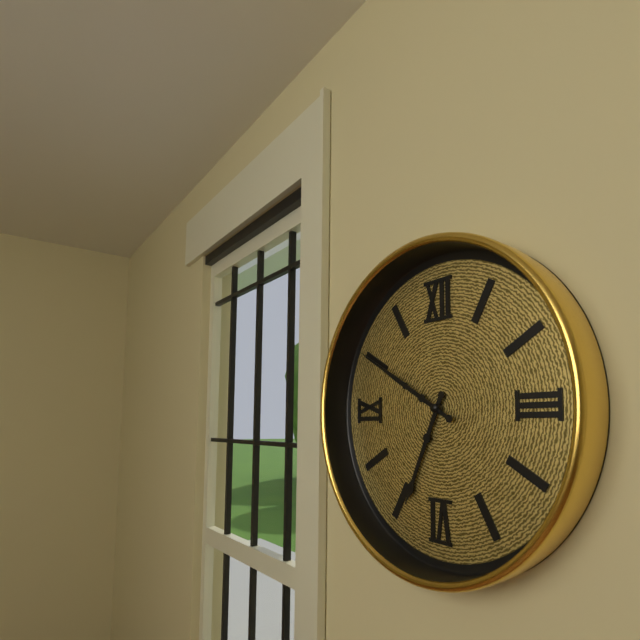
6:50
